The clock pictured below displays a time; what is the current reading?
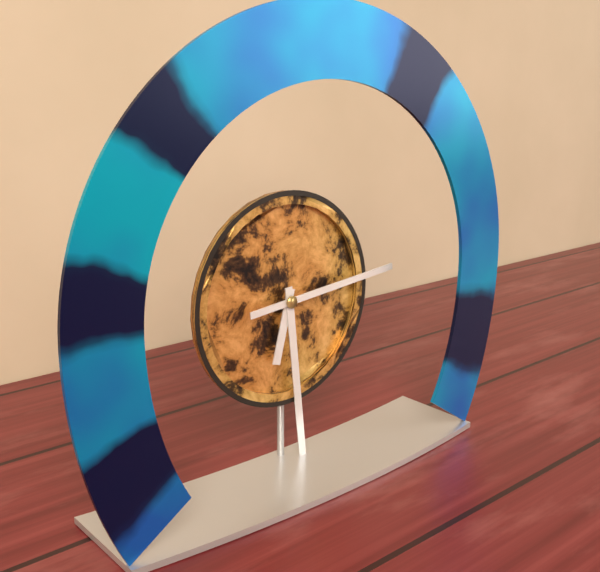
6:29:14
